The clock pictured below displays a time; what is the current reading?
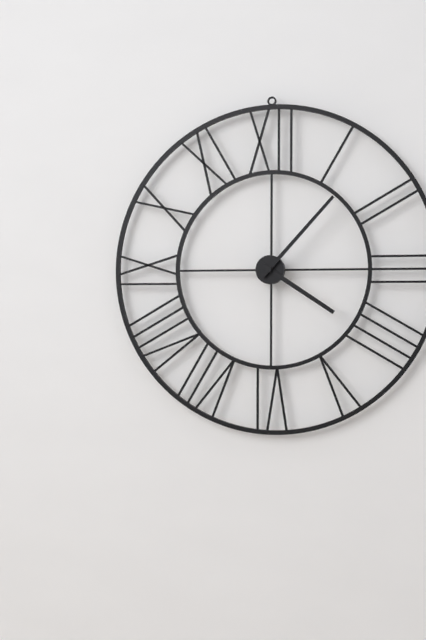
4:07
